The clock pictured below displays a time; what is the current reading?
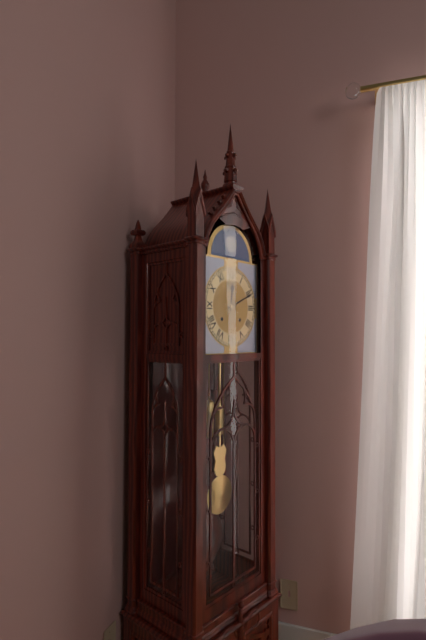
12:11
